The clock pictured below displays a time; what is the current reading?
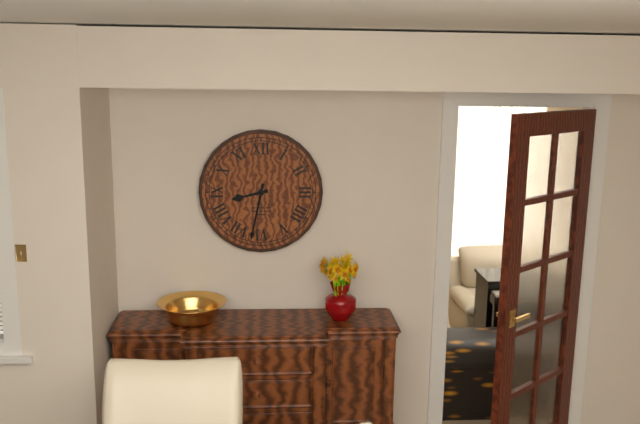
8:32
